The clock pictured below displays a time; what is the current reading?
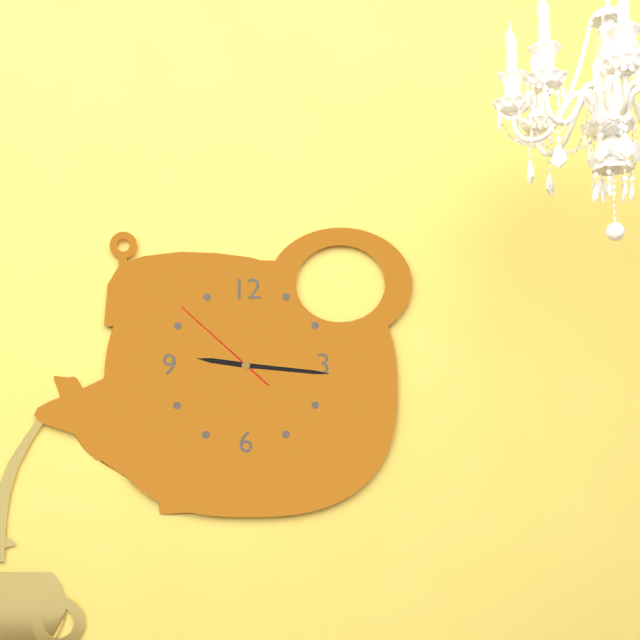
9:16:52
